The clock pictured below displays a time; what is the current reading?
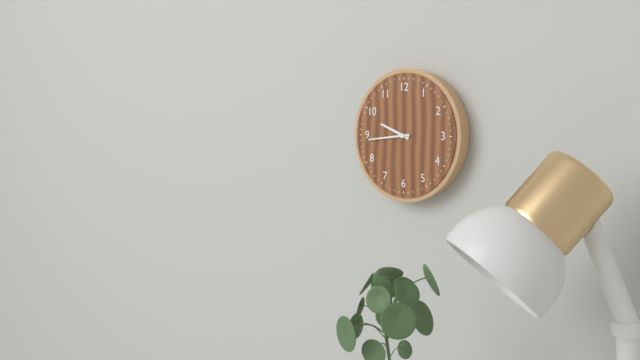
9:44
